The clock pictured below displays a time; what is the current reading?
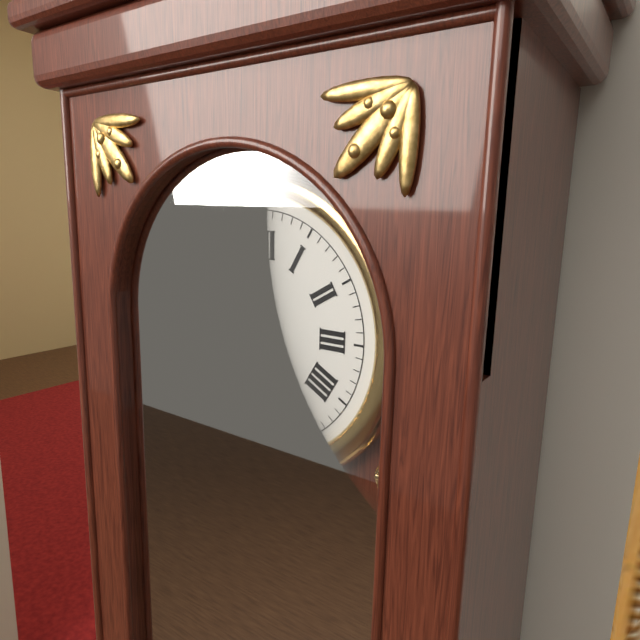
9:58
